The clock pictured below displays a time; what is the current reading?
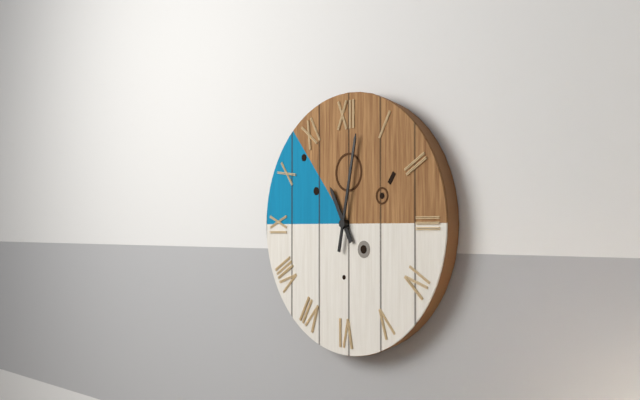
11:02
